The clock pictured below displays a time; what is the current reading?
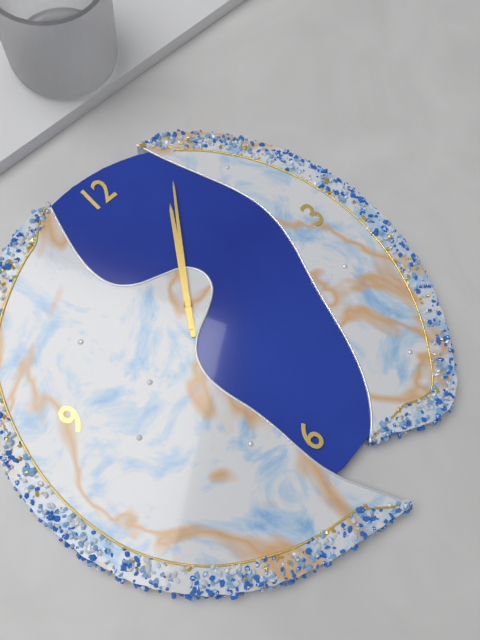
1:06
